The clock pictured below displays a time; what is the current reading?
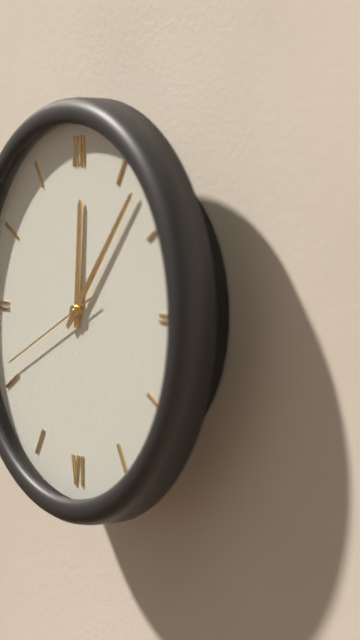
12:07:41
